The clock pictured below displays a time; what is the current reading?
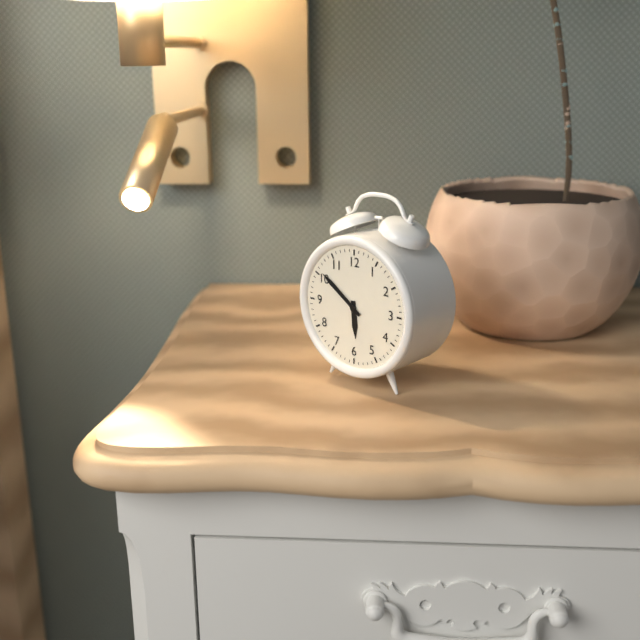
5:51
